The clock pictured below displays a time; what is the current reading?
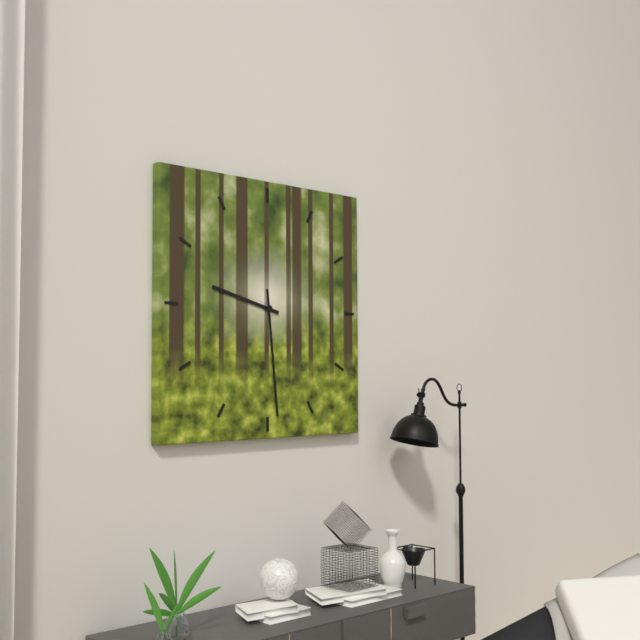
9:29
